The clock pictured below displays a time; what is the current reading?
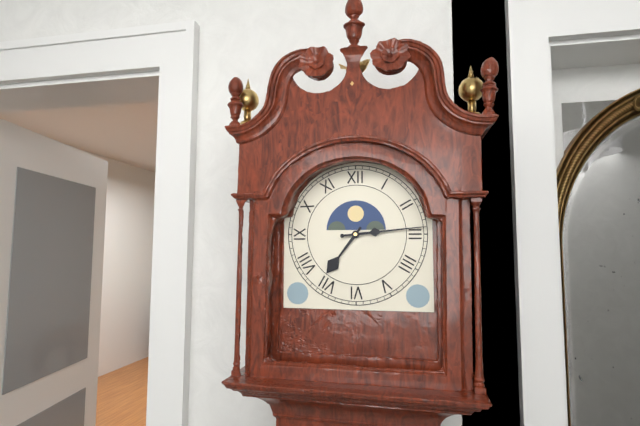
7:14
